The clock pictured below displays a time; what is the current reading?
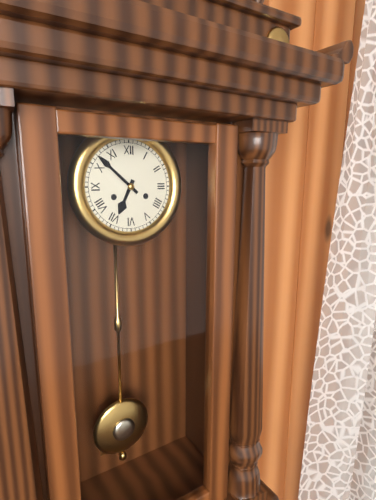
6:52
